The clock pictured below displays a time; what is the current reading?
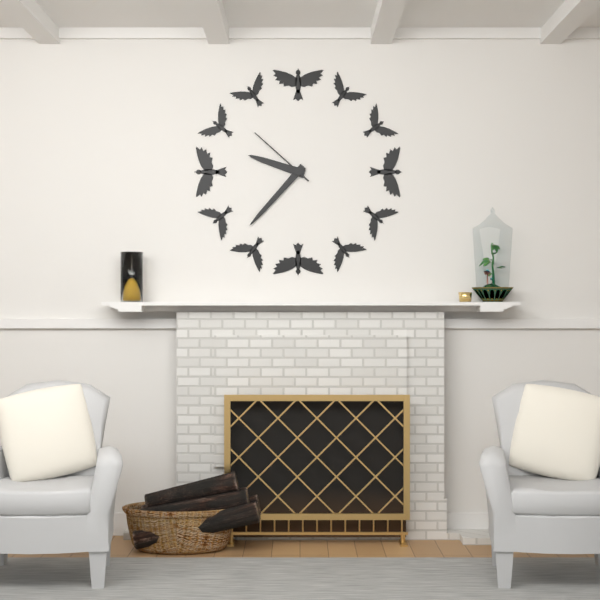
9:37:52
